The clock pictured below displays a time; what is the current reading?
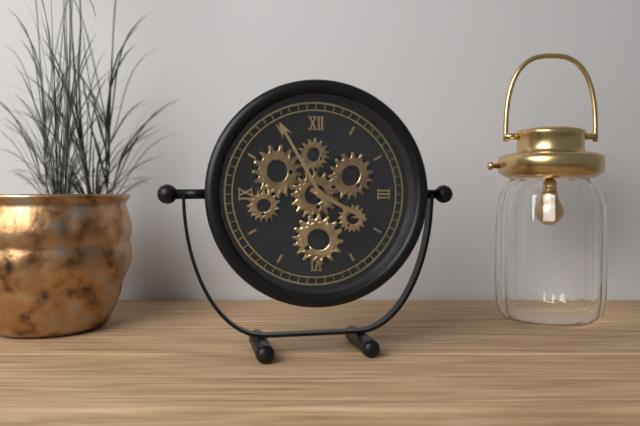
3:55
